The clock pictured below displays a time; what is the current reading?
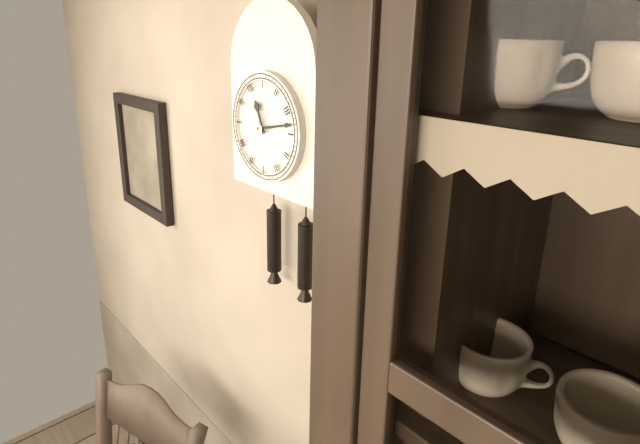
11:13
